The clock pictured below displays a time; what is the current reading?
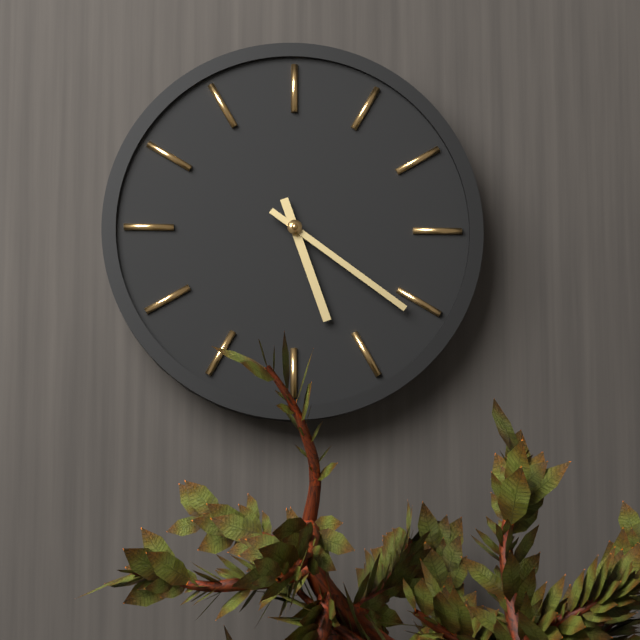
5:21
